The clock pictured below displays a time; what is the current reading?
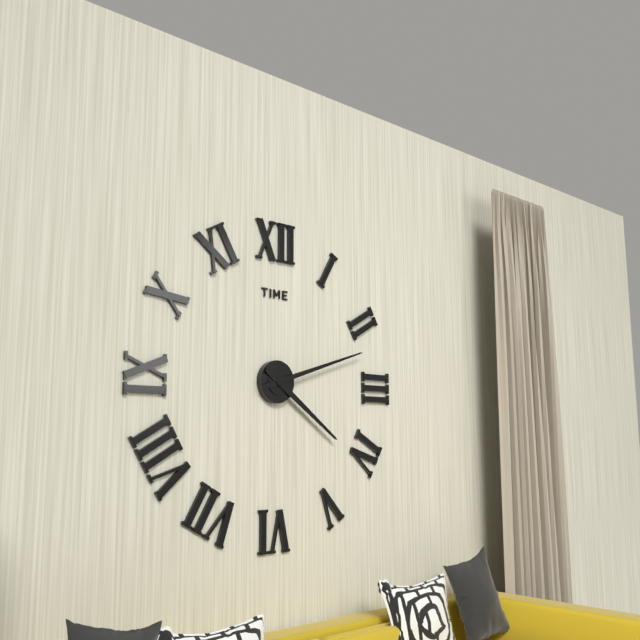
4:12
